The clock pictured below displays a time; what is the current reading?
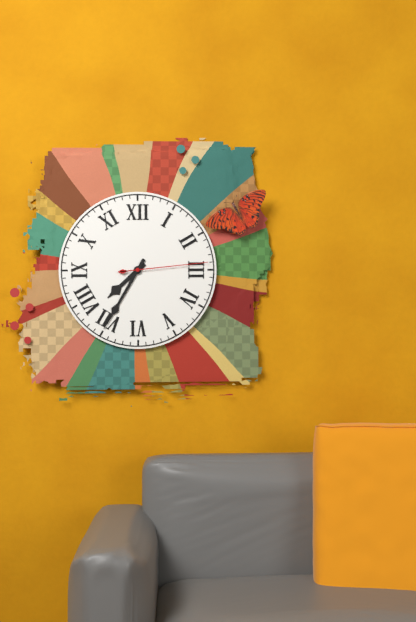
7:35:14
